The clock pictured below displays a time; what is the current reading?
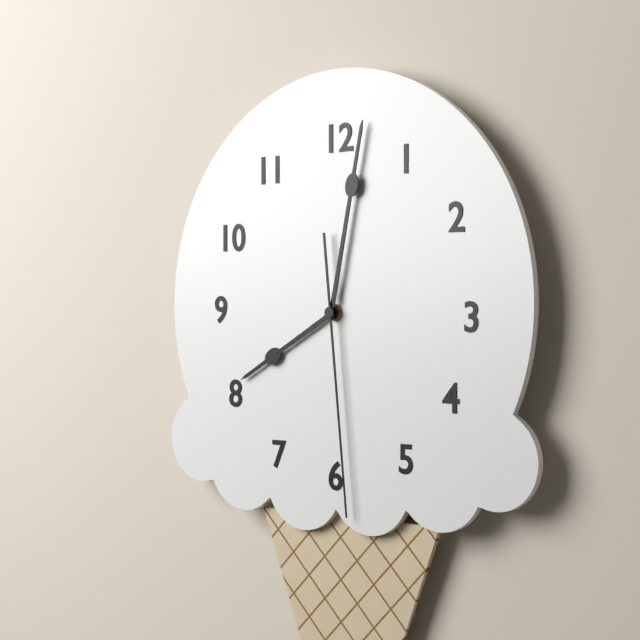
8:02:29
